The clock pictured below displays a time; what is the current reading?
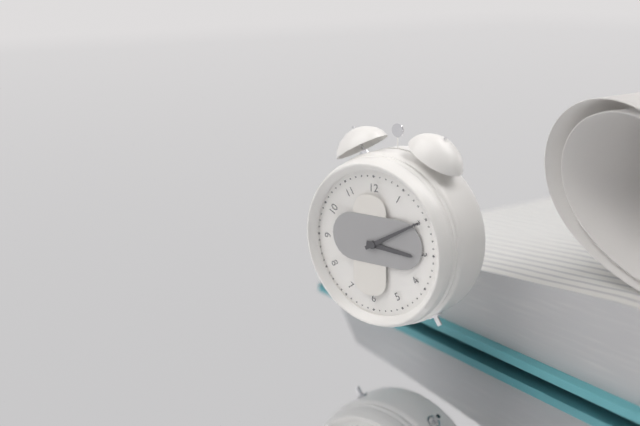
3:10
